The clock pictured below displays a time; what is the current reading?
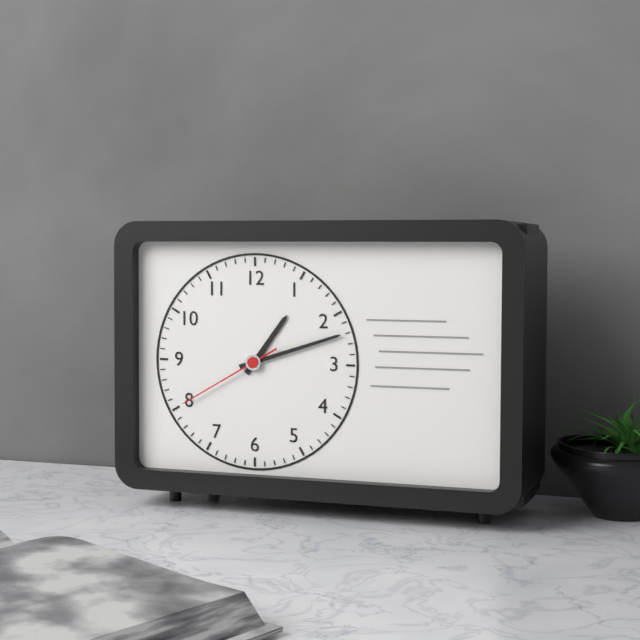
1:12:40
